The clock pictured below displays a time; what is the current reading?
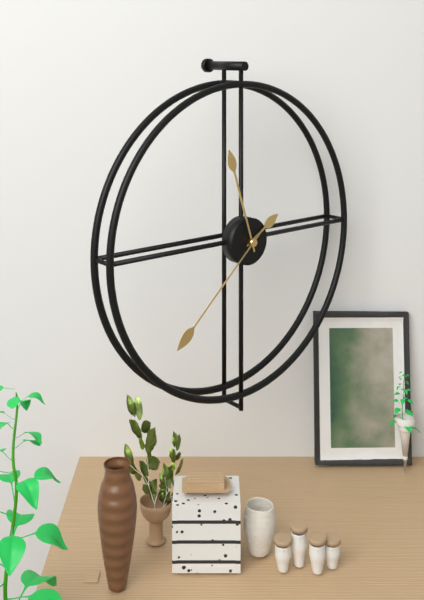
1:57:38
